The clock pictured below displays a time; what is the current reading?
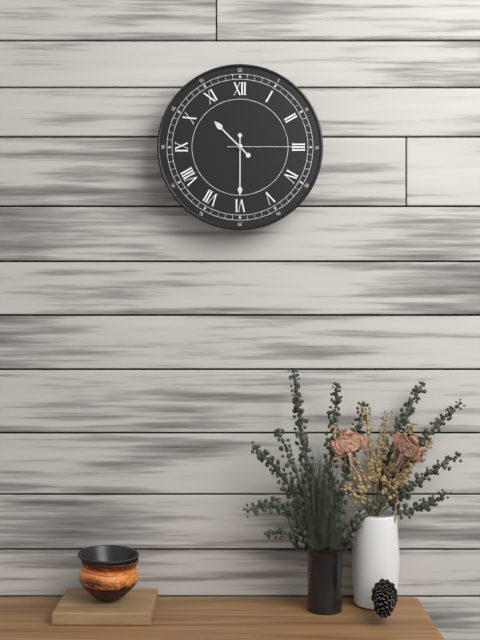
10:30:15
